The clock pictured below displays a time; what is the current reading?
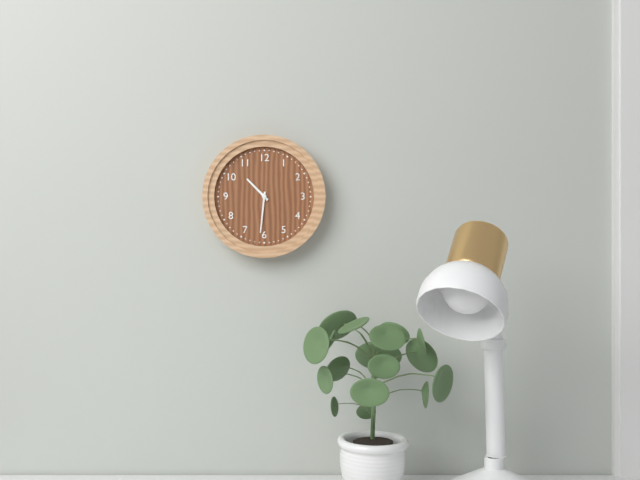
10:31
